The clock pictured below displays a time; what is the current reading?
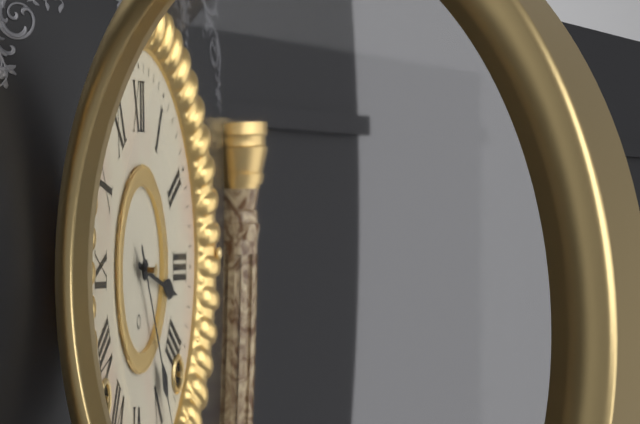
3:24
